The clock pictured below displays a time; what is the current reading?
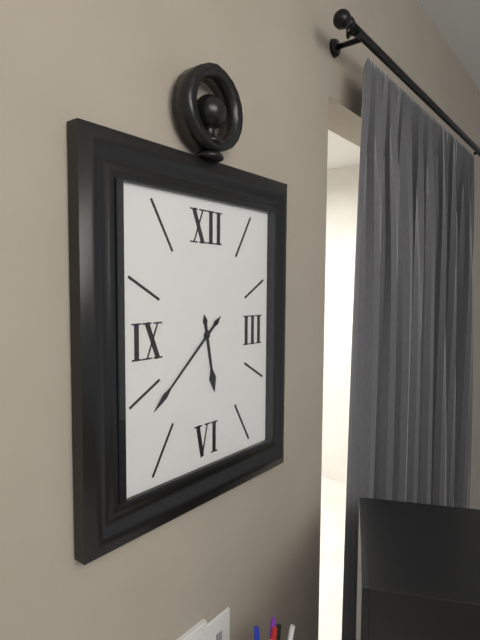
5:38
